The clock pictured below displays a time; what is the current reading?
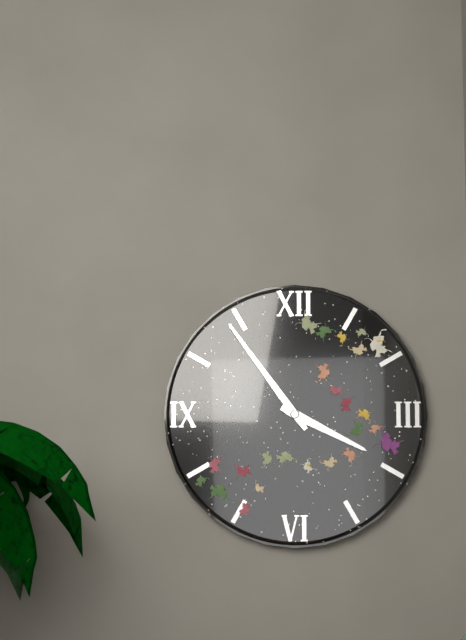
3:54
